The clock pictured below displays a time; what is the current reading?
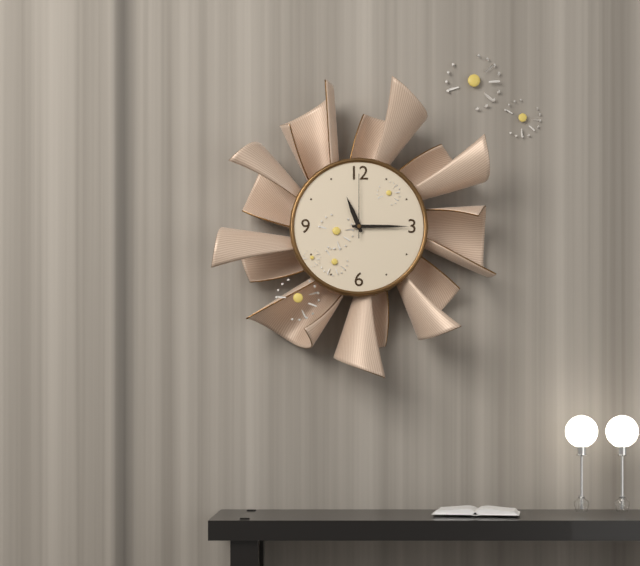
11:15:00
